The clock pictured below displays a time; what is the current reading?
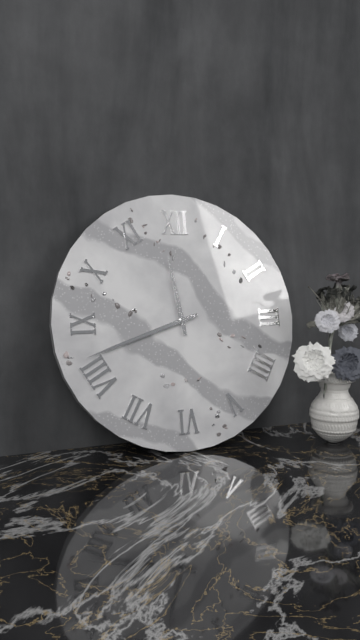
11:42
